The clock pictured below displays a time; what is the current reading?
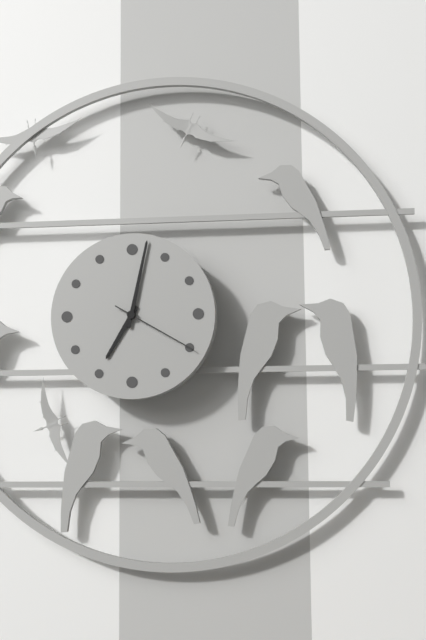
7:02:20
